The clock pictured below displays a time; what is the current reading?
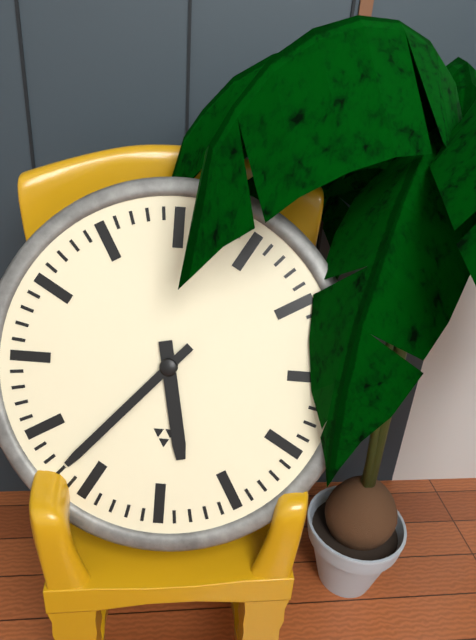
5:37
